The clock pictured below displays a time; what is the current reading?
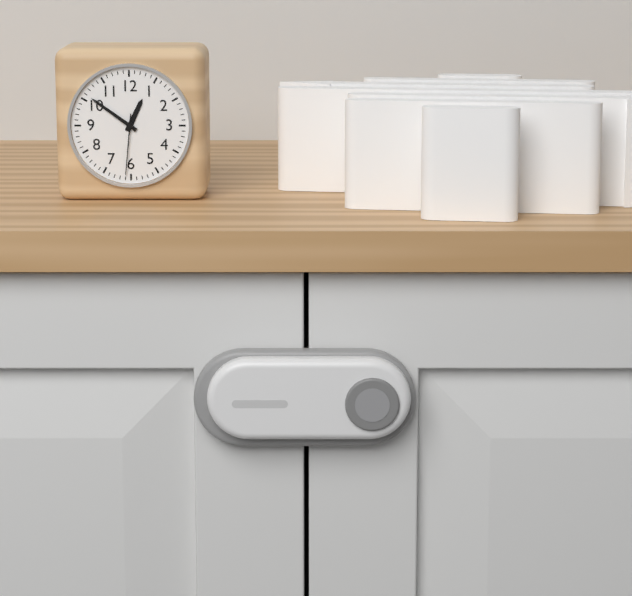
12:51:31
